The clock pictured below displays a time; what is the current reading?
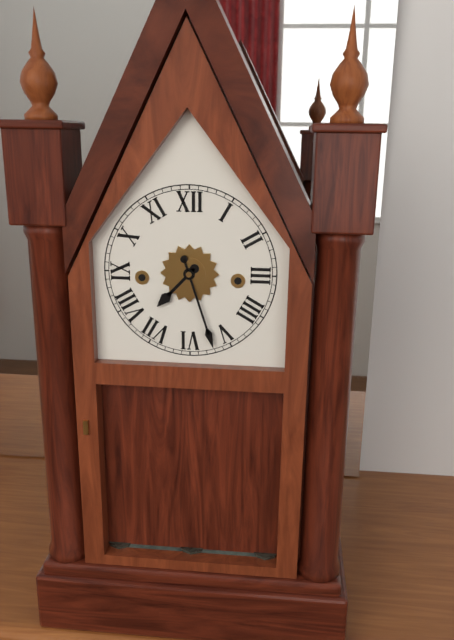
7:27
